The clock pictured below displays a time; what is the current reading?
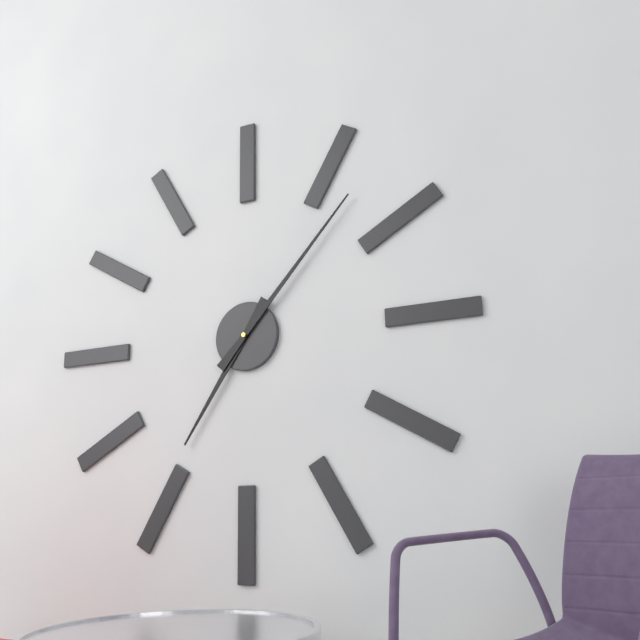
7:07
